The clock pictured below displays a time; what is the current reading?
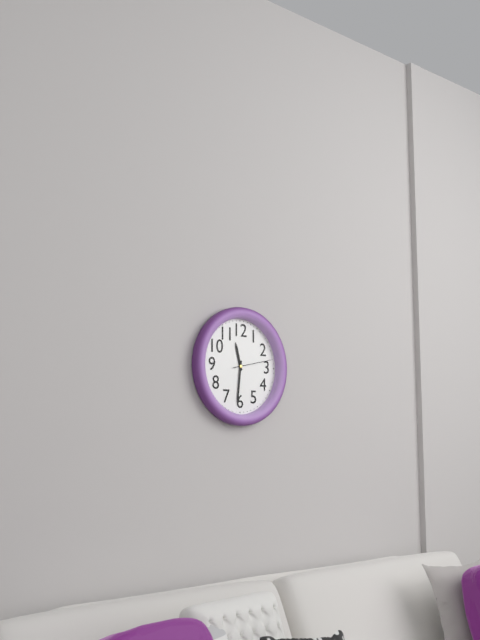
11:31
